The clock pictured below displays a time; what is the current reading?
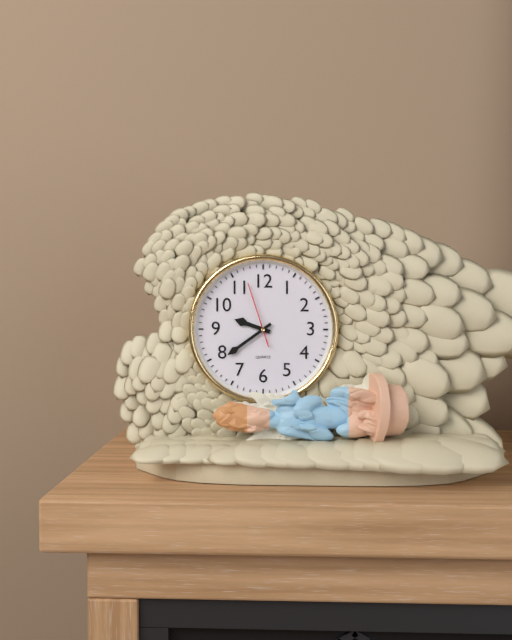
9:39:57
